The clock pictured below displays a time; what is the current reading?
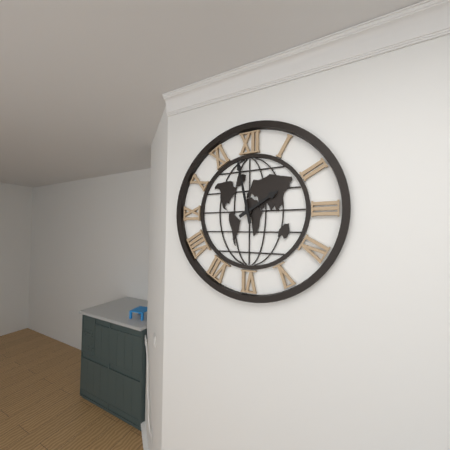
1:58
